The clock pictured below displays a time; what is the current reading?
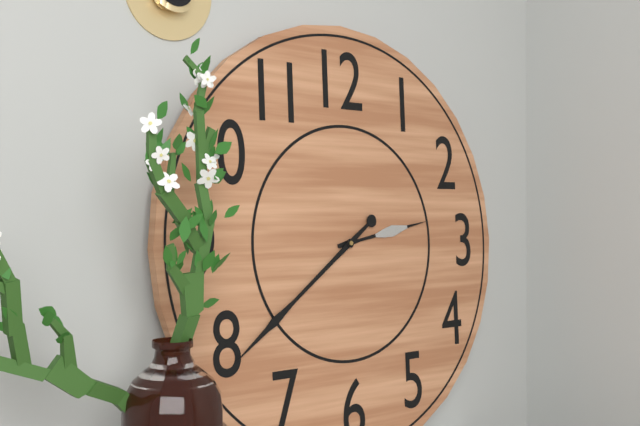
2:39
